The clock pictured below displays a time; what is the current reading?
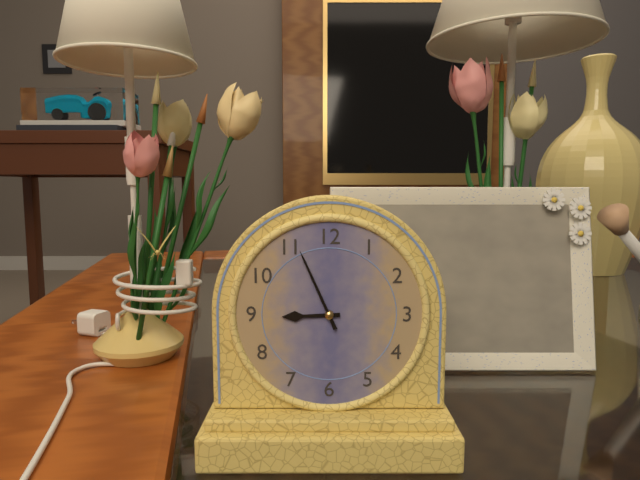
8:56
